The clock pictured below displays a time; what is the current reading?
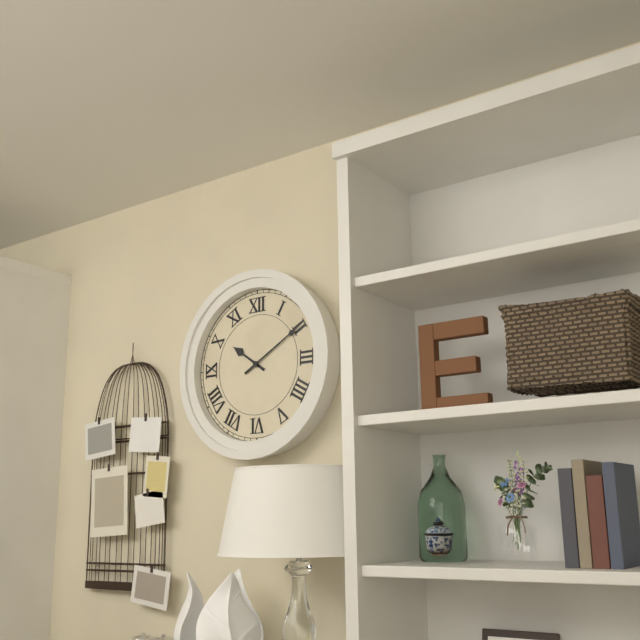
10:10
